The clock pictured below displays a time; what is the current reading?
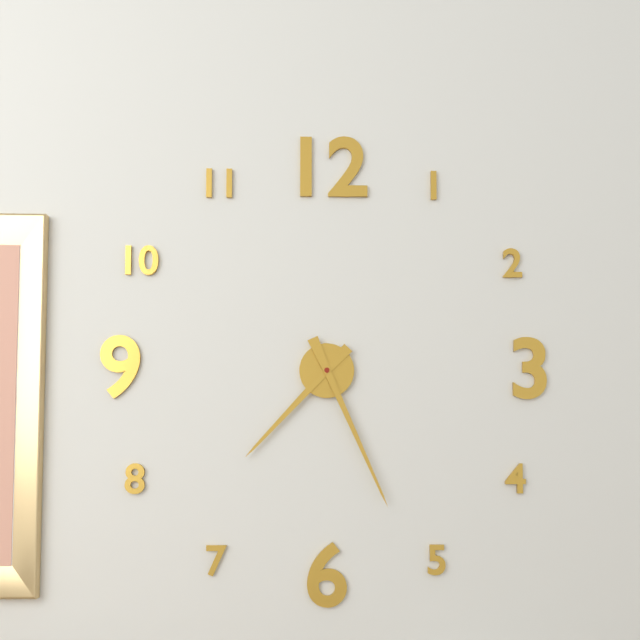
7:26
